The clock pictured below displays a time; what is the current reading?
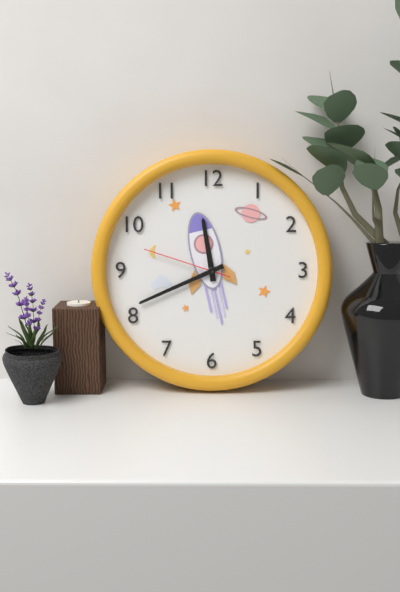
11:41:48
